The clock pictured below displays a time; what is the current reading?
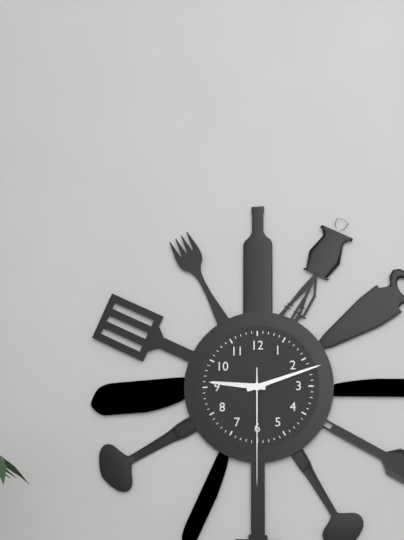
9:12:30
